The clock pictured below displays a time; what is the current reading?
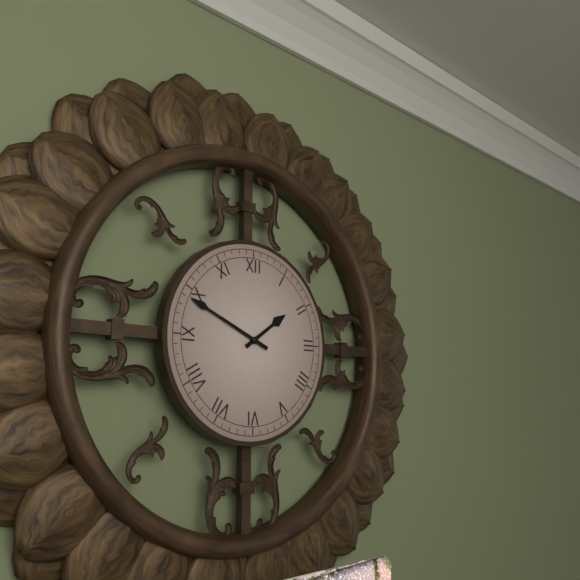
1:49
